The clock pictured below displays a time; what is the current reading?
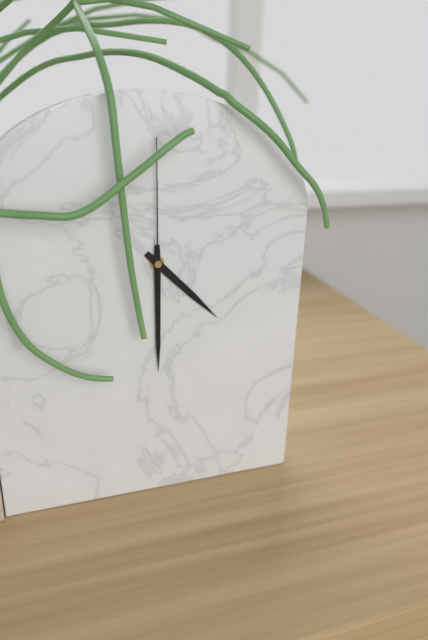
4:30:00
